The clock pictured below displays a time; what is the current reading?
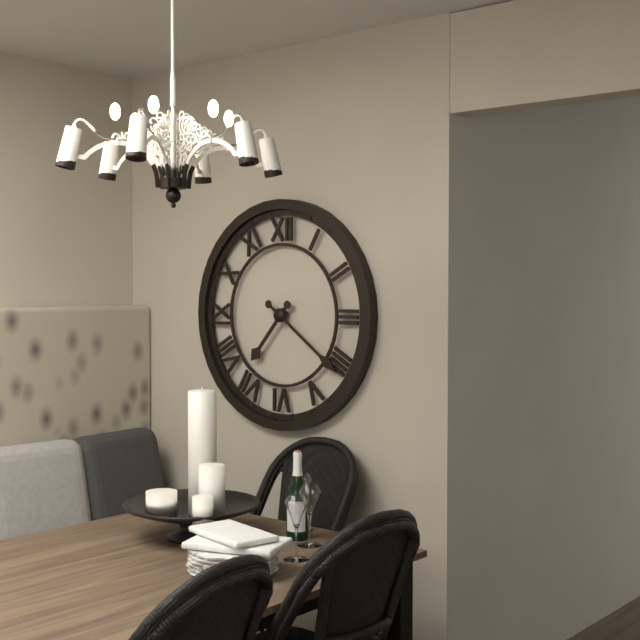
7:21
